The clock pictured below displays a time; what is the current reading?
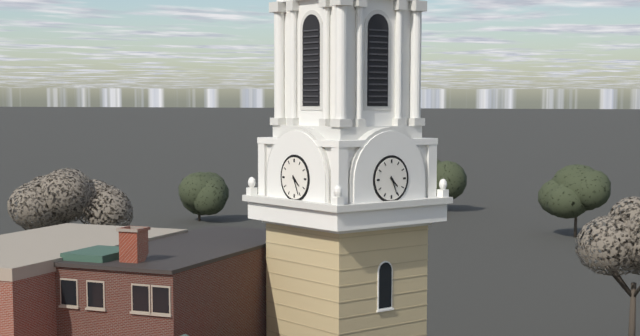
4:26
